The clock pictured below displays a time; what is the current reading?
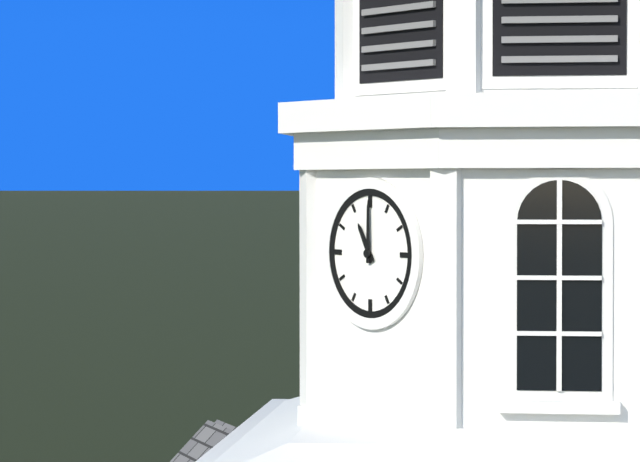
11:00
